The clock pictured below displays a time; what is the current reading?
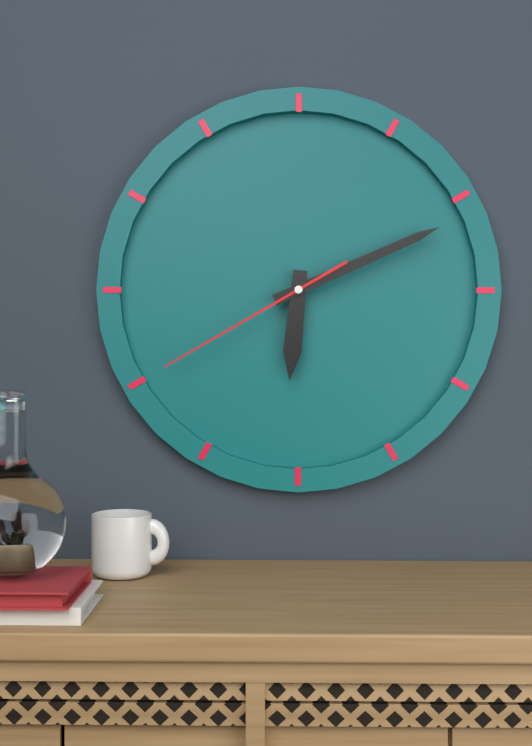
6:11:40
